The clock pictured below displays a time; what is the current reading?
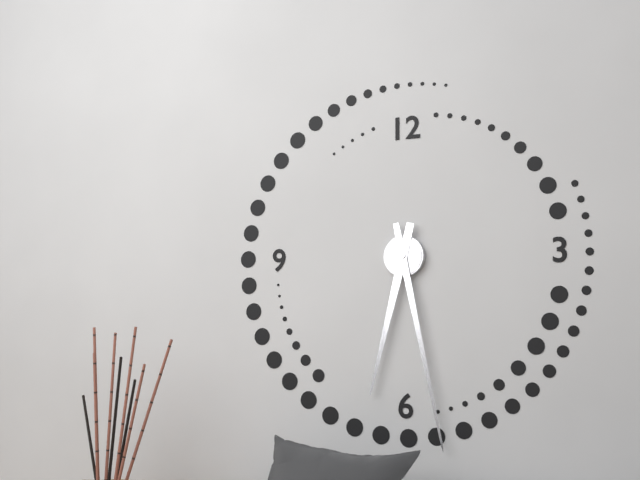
6:28
